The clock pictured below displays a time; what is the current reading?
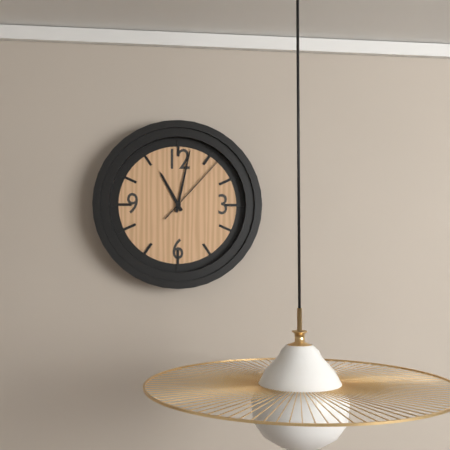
11:02:07
